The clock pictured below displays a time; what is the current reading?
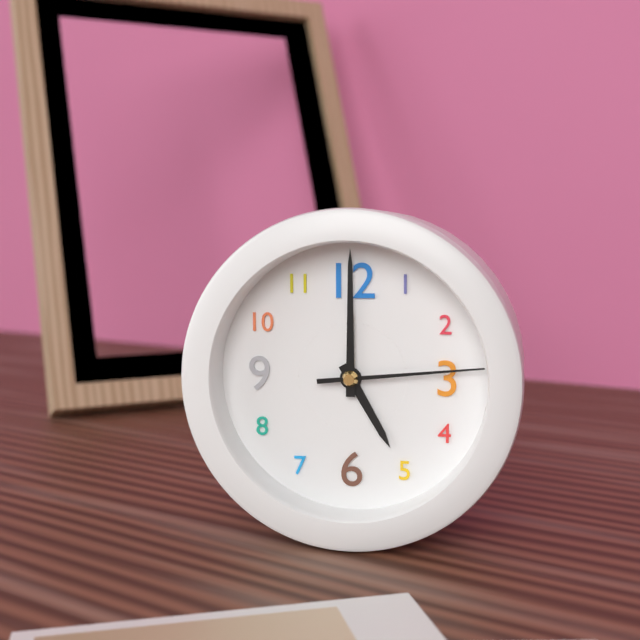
5:00:14
